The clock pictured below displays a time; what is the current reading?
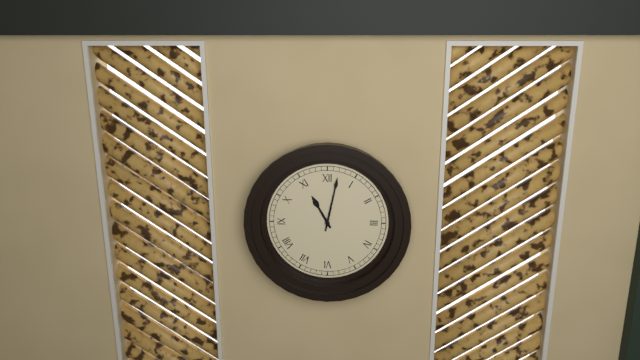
11:02
